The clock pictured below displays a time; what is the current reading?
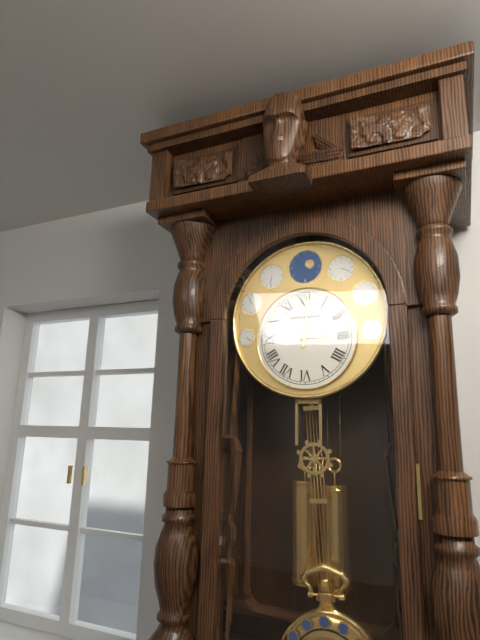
3:01
